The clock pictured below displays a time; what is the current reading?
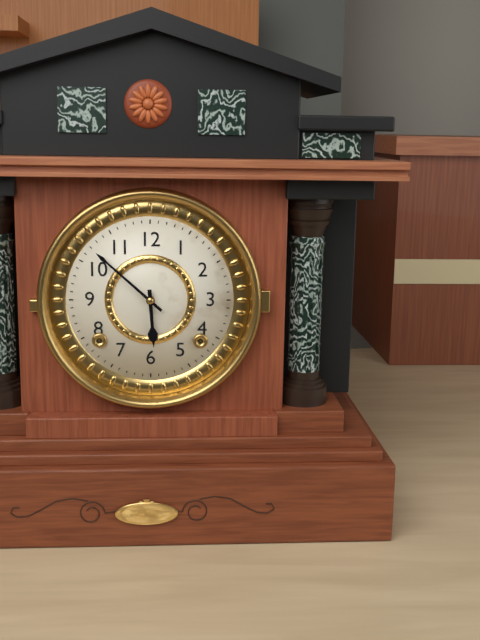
5:52
